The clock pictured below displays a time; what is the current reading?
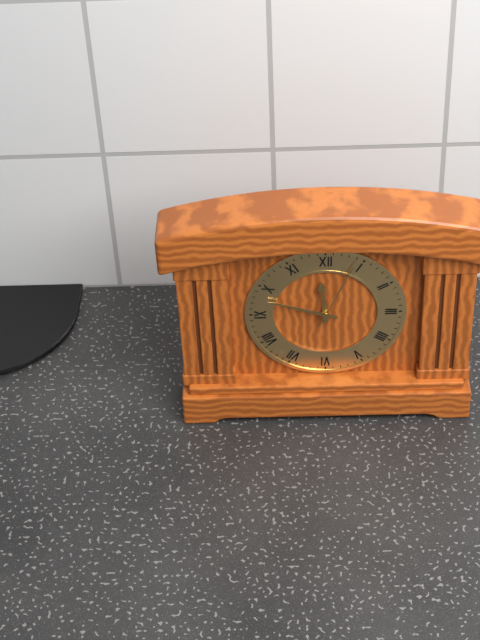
11:48:04
